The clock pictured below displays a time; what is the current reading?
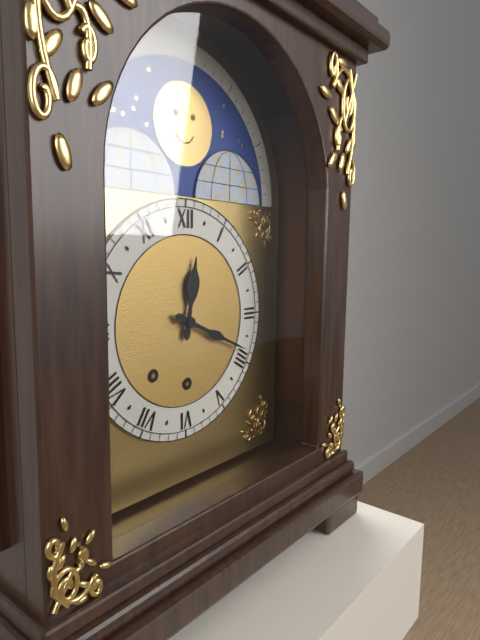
12:19
